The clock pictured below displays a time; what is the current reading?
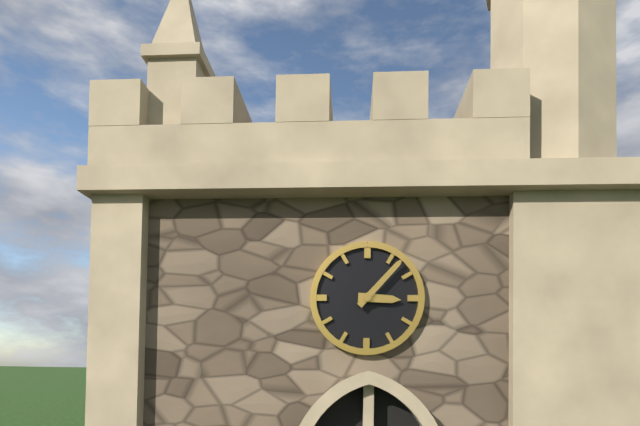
3:07
